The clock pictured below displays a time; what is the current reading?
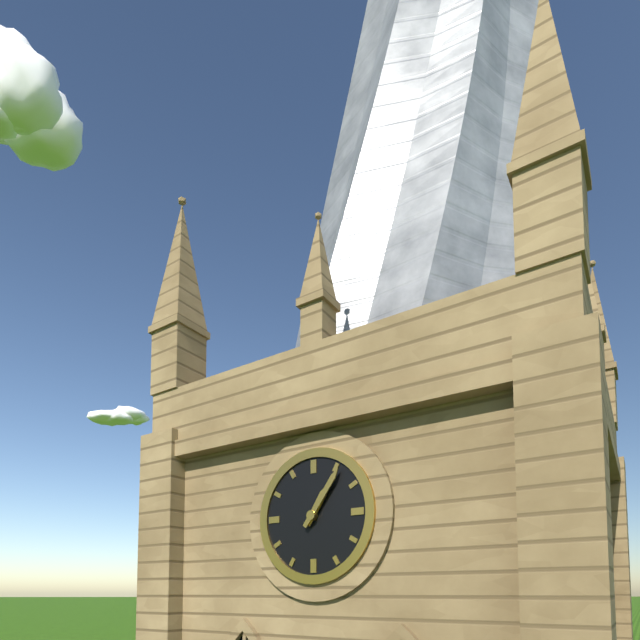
1:06
